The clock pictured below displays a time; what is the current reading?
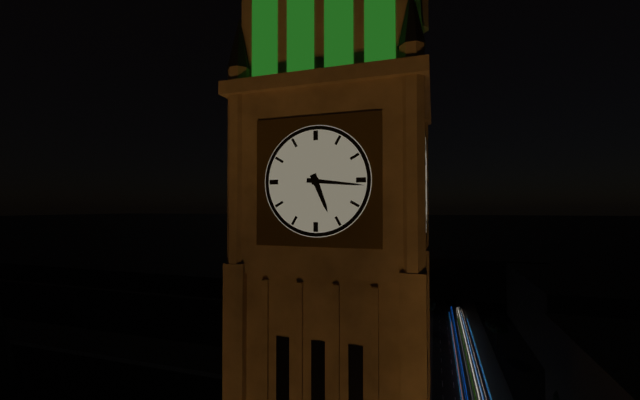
5:16
